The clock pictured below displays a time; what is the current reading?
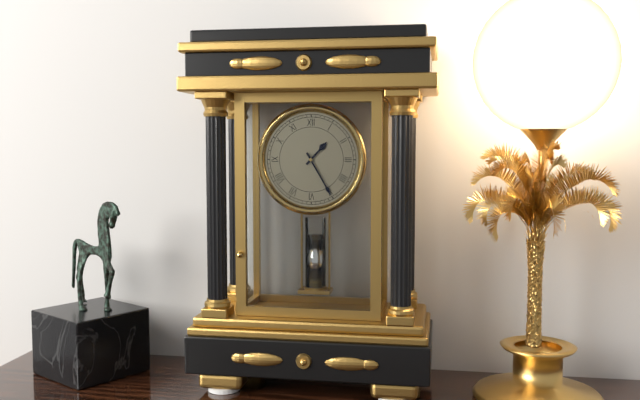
1:25
